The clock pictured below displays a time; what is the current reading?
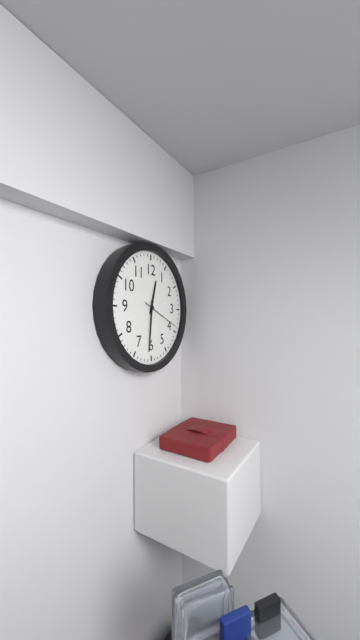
12:31
